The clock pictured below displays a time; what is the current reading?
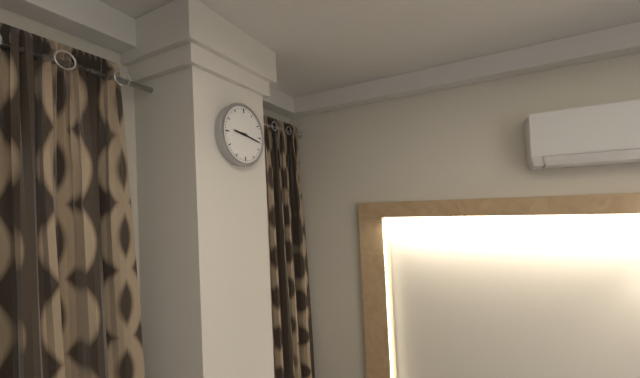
9:17
